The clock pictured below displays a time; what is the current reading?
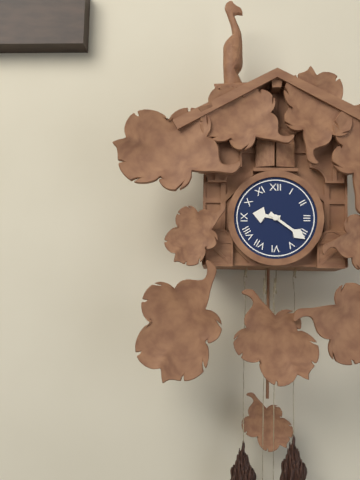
9:21
